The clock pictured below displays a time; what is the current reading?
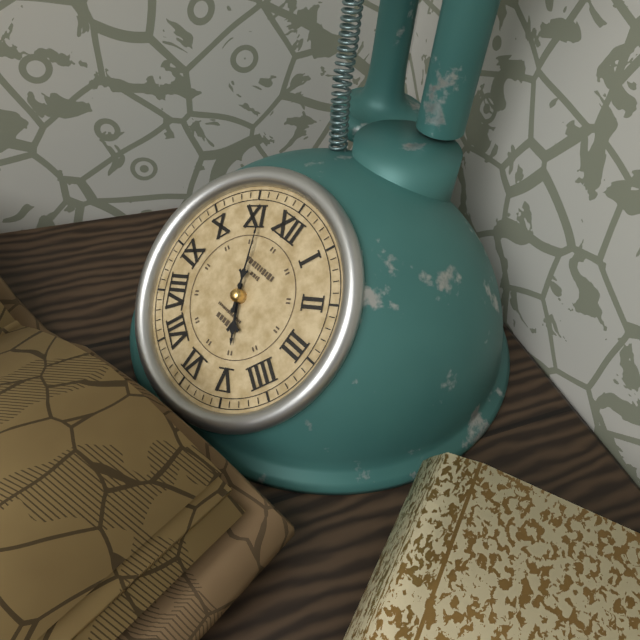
4:56
